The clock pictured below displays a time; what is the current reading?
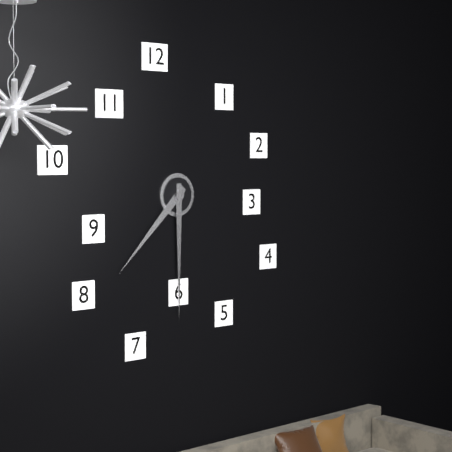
7:30
